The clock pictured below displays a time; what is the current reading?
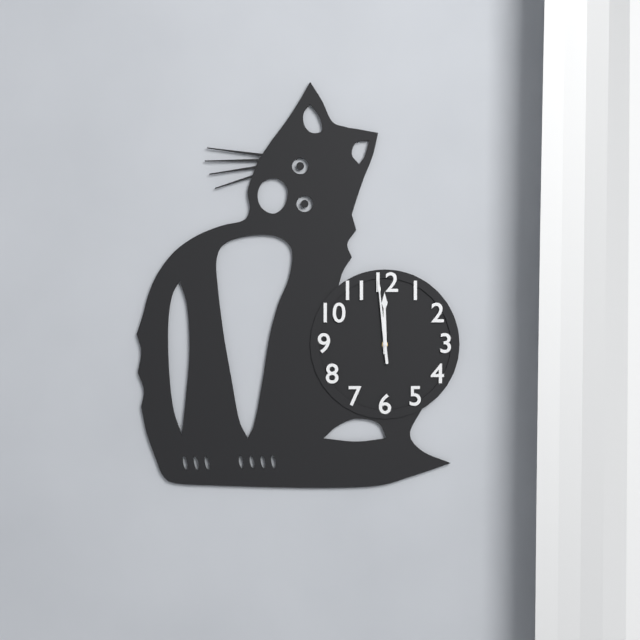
11:59
